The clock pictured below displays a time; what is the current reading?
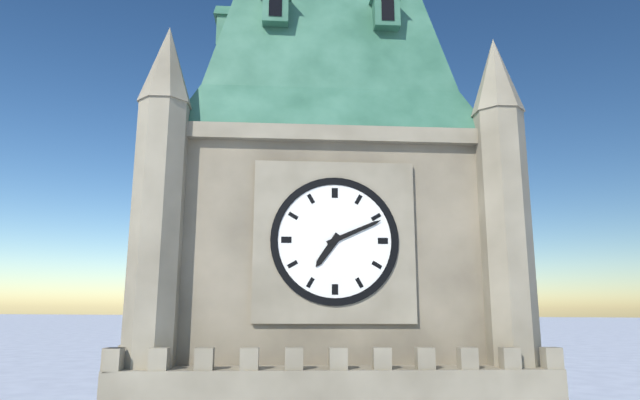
7:11
